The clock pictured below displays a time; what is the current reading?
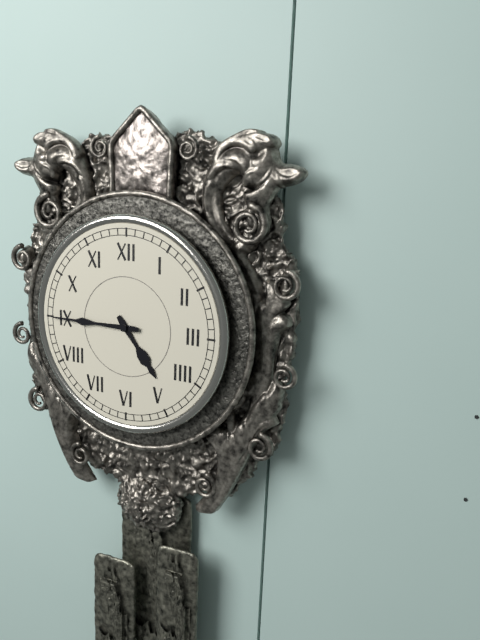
4:45
